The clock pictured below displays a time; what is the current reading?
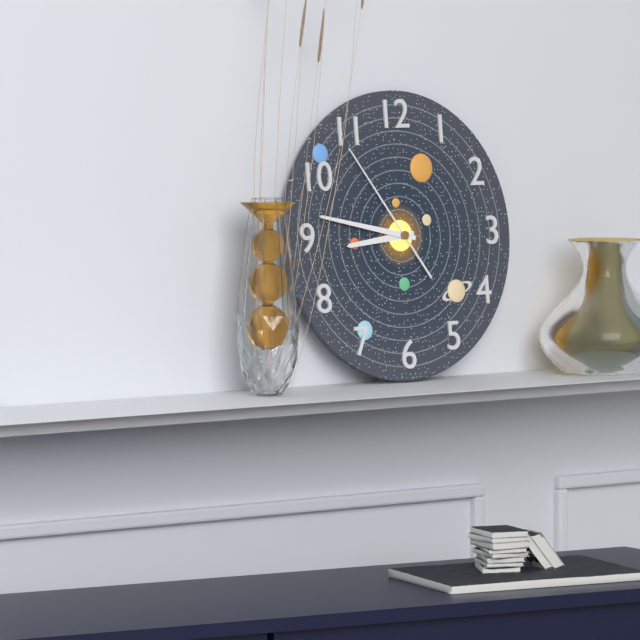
8:47:54
